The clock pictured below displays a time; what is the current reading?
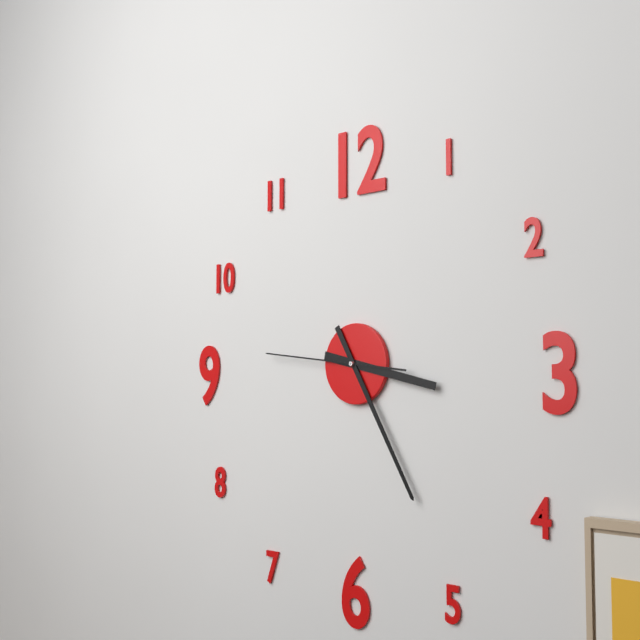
3:25:46
